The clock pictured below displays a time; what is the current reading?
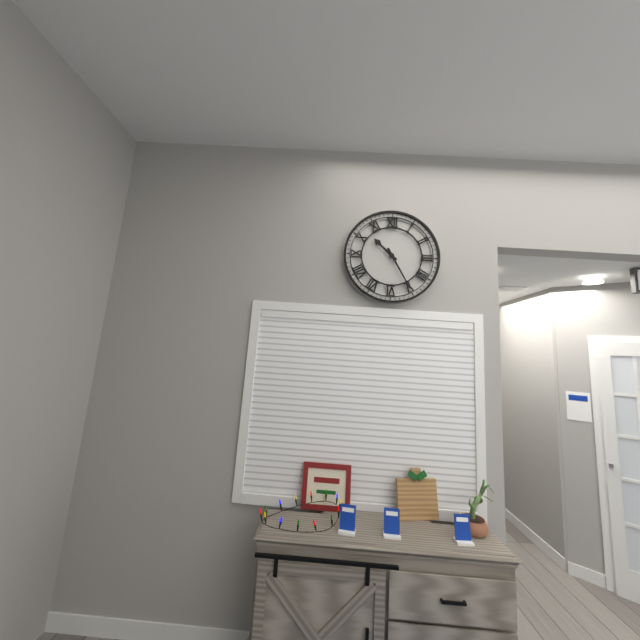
10:25
